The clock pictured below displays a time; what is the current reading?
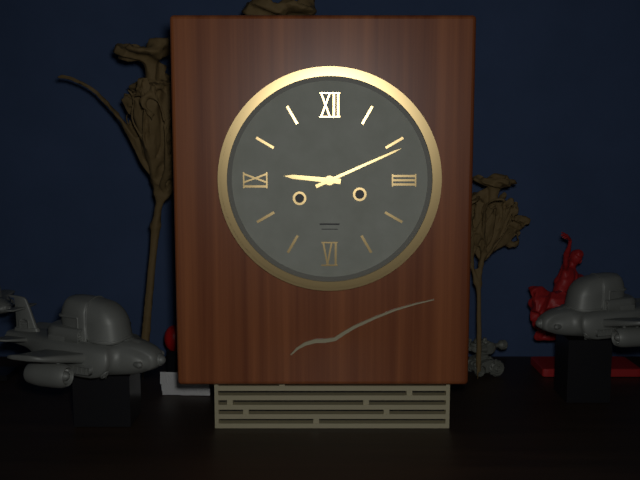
9:11
